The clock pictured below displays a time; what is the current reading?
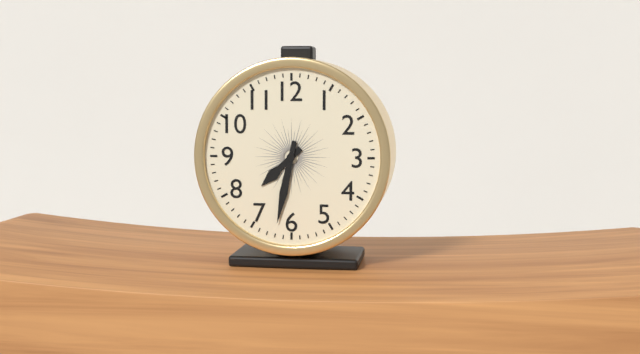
7:32
